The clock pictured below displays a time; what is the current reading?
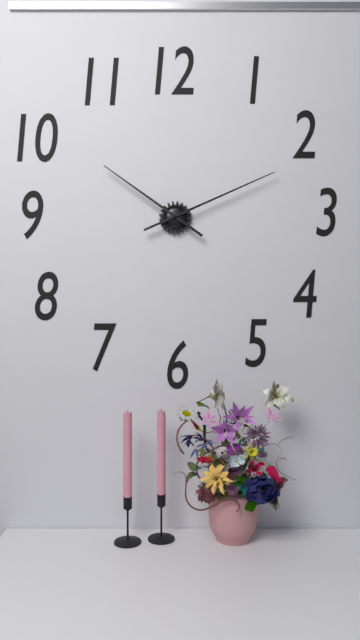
10:11
